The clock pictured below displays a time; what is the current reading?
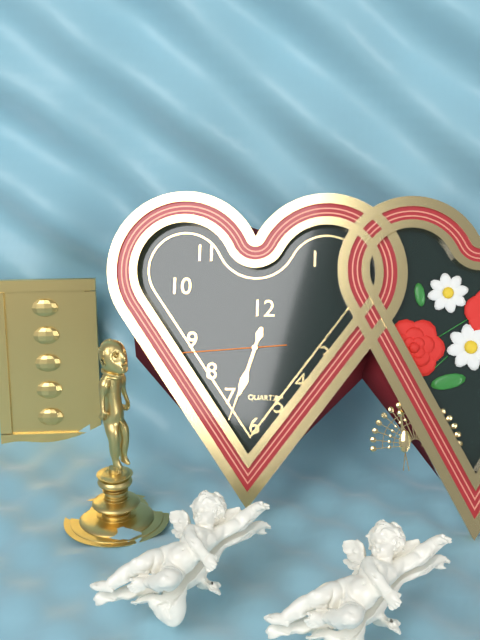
6:33:44
